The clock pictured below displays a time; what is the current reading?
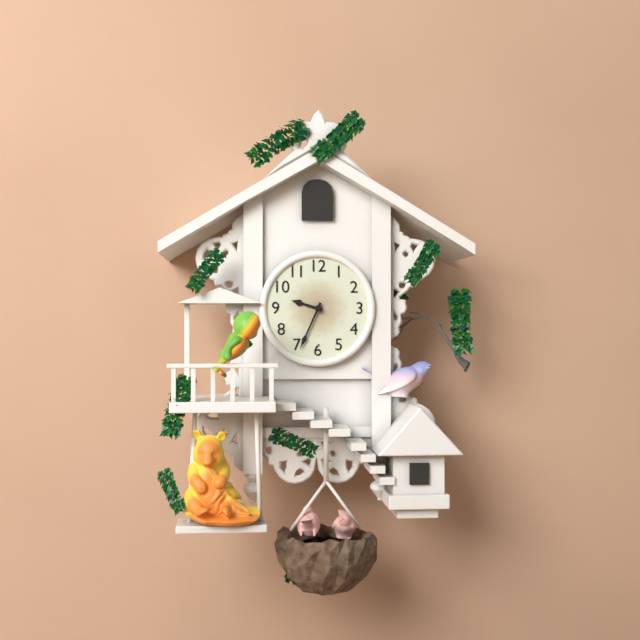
9:34
